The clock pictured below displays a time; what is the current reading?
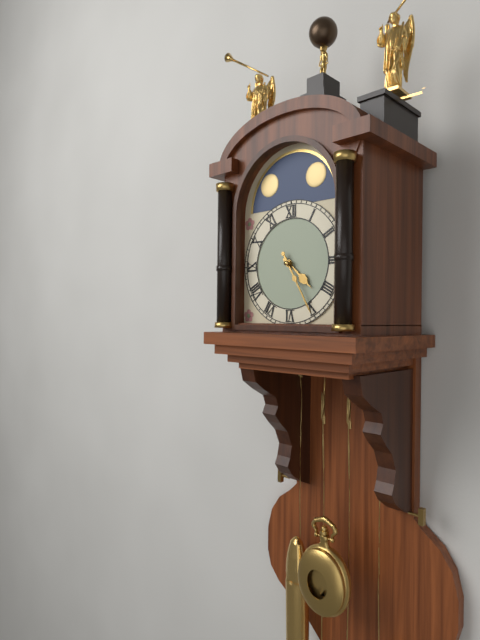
4:25
